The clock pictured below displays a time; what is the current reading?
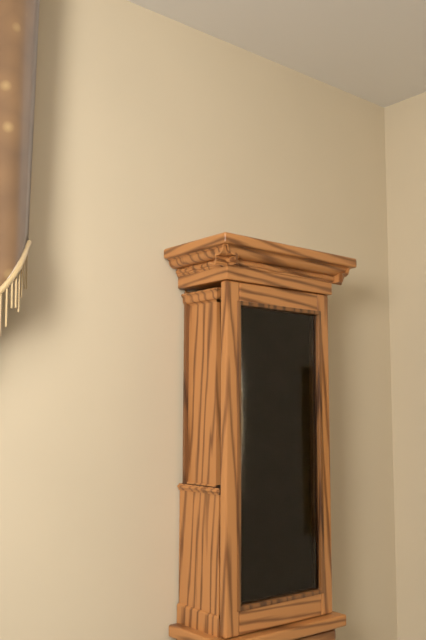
7:49
